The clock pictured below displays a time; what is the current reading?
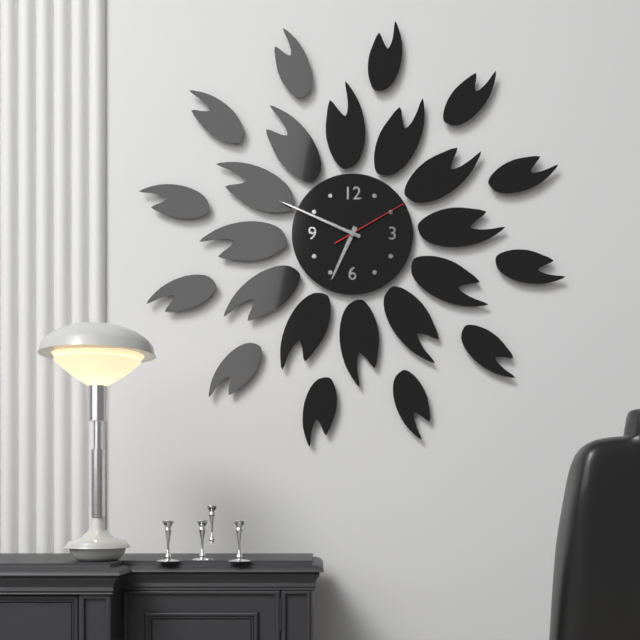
6:49:10
